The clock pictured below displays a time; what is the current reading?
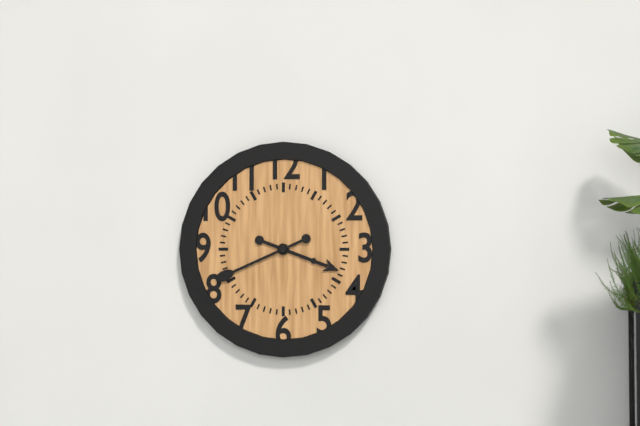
3:41
